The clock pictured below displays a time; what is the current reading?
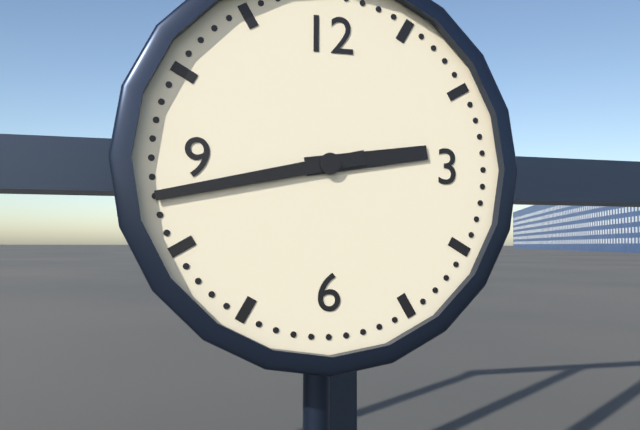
2:43
